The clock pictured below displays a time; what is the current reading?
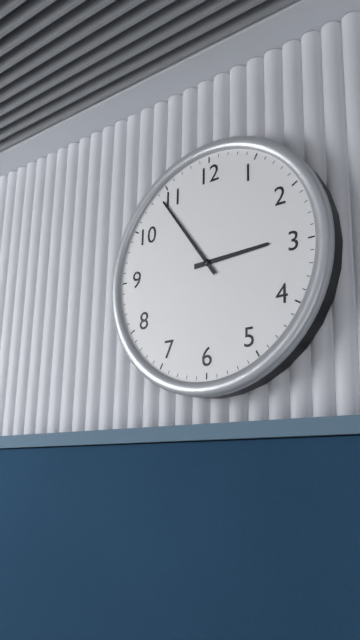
2:54
